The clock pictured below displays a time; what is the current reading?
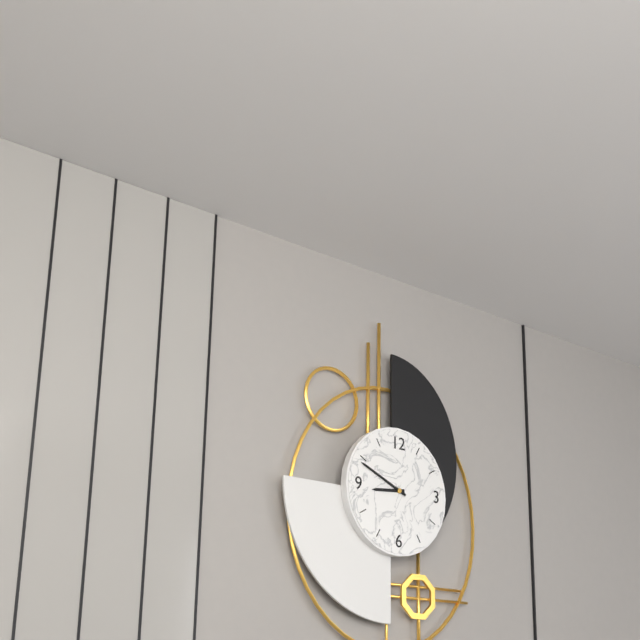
8:49
